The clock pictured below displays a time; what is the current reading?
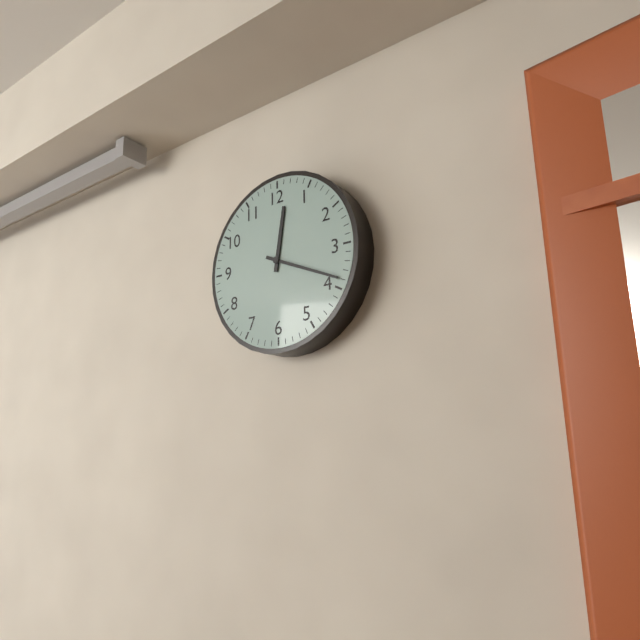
12:19
